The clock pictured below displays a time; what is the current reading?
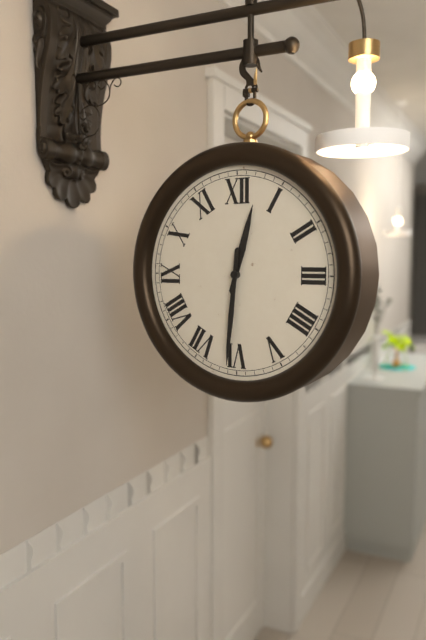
12:31
